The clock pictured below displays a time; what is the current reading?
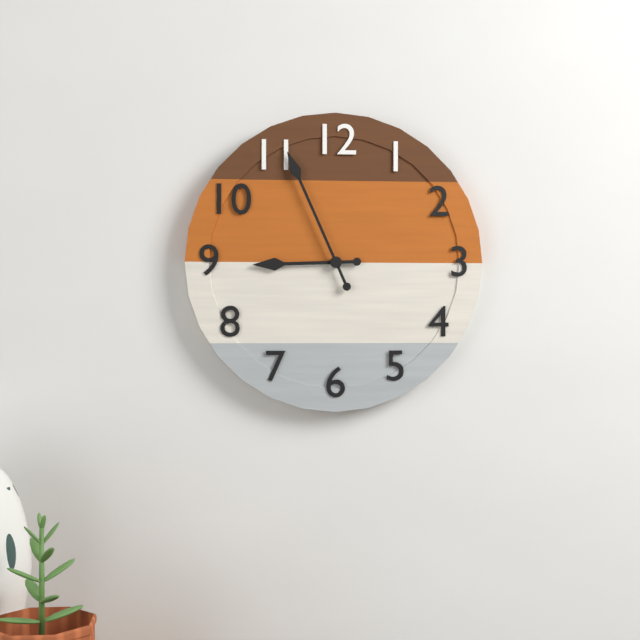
8:56
